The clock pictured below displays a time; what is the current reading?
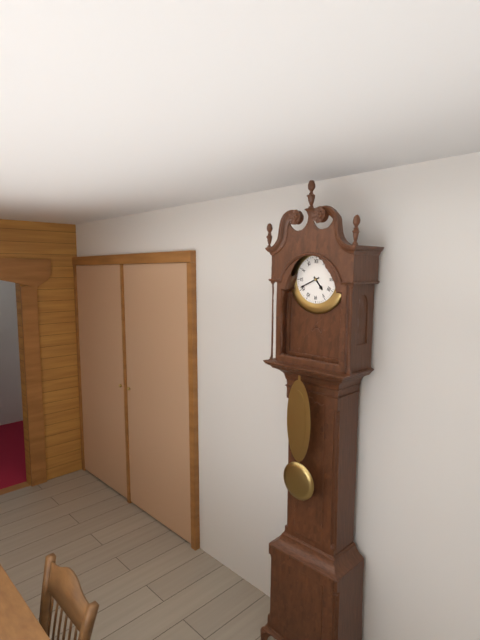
4:41
